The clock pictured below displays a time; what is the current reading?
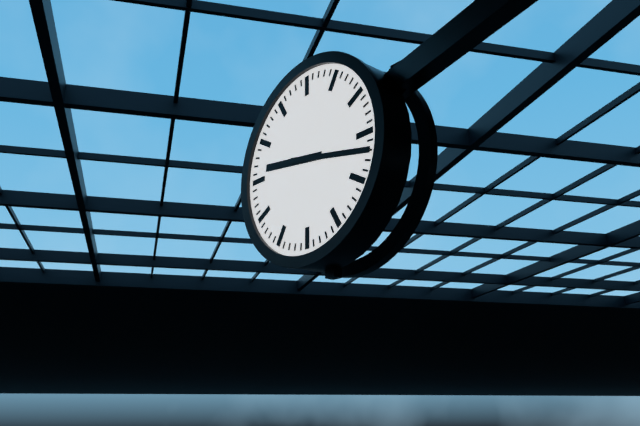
9:17
